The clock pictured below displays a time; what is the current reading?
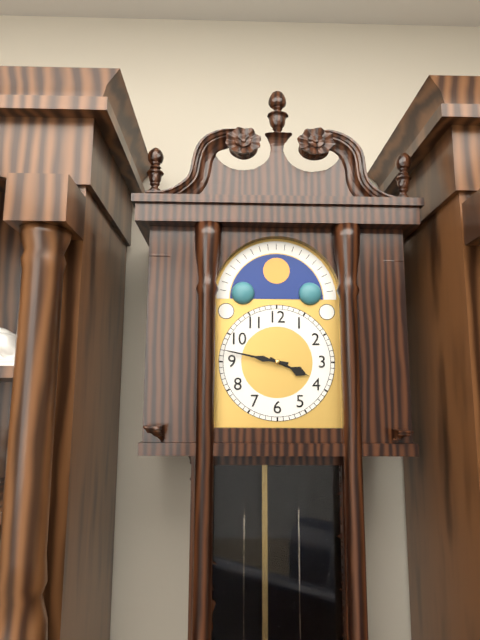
3:47
